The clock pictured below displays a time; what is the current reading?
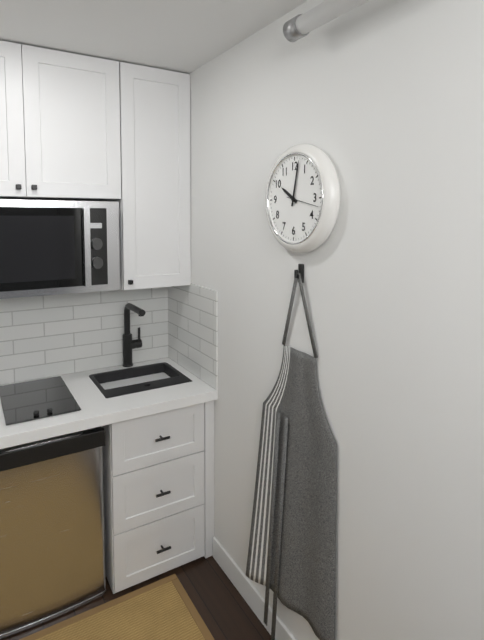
10:02
